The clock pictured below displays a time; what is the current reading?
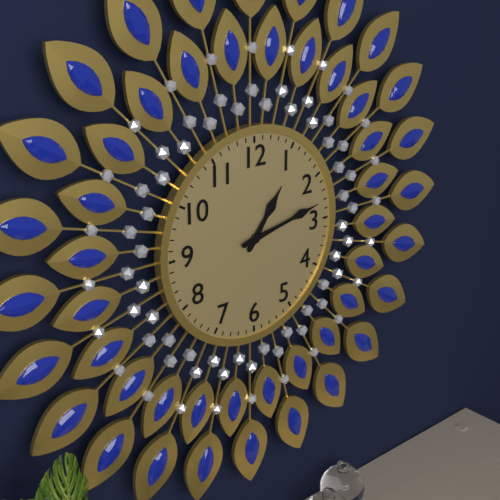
1:13
